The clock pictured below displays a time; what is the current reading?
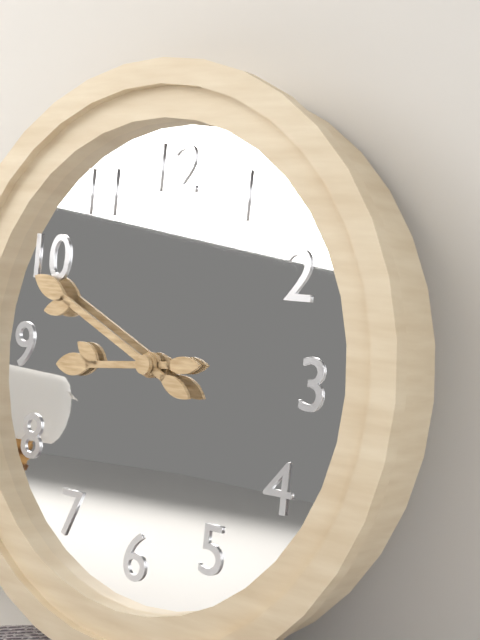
8:49
